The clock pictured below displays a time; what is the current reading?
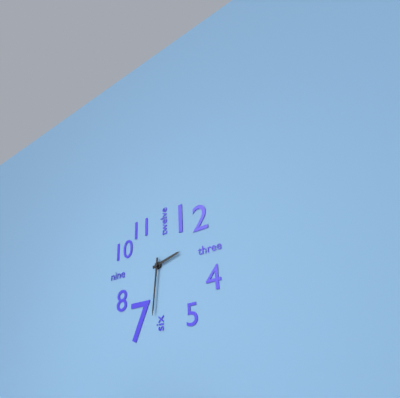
2:31
